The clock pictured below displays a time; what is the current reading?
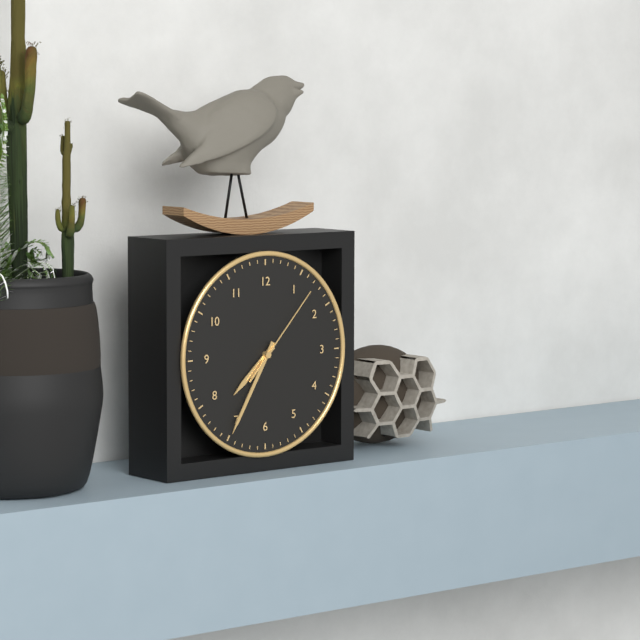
7:35:07
